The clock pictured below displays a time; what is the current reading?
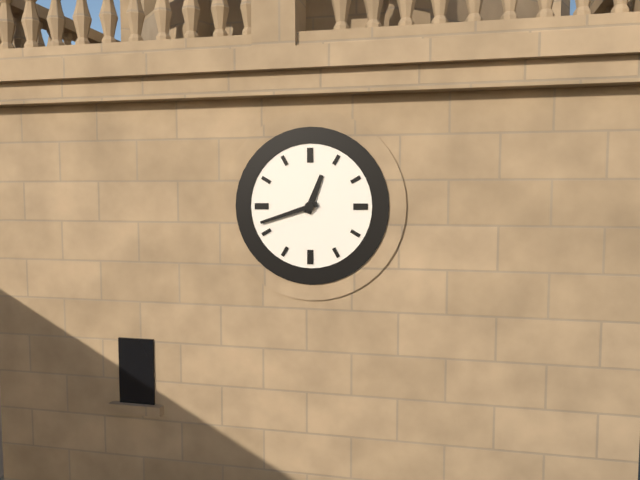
12:42
